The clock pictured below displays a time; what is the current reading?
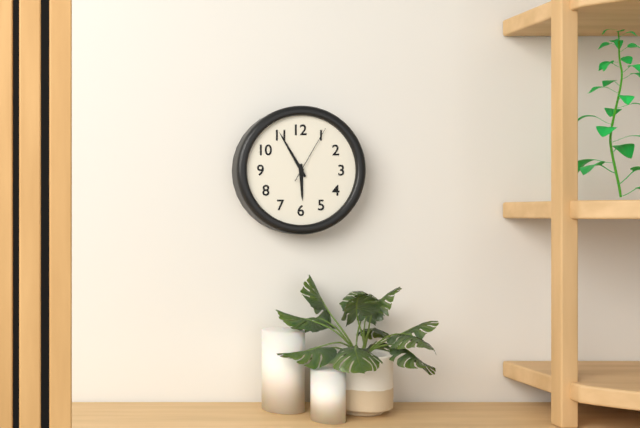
5:55:05
